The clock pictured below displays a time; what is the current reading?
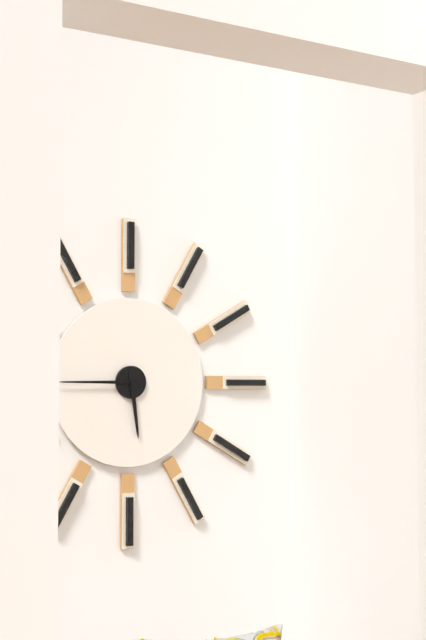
5:45
